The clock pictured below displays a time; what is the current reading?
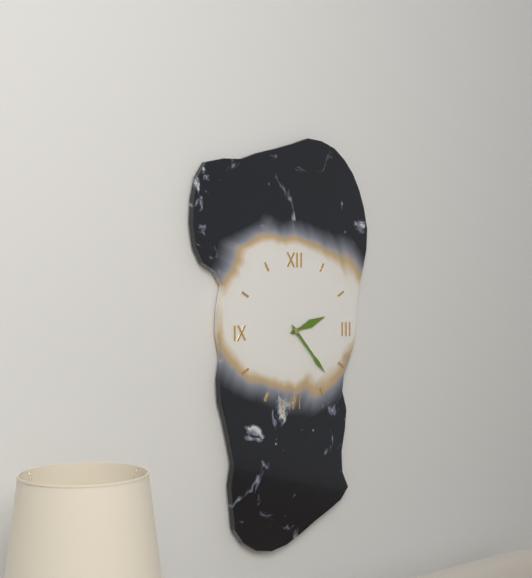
2:23
